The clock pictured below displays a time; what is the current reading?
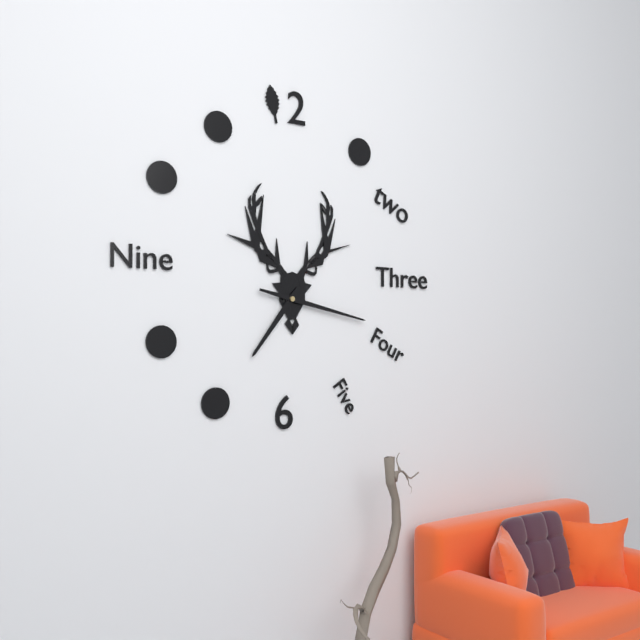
7:17
